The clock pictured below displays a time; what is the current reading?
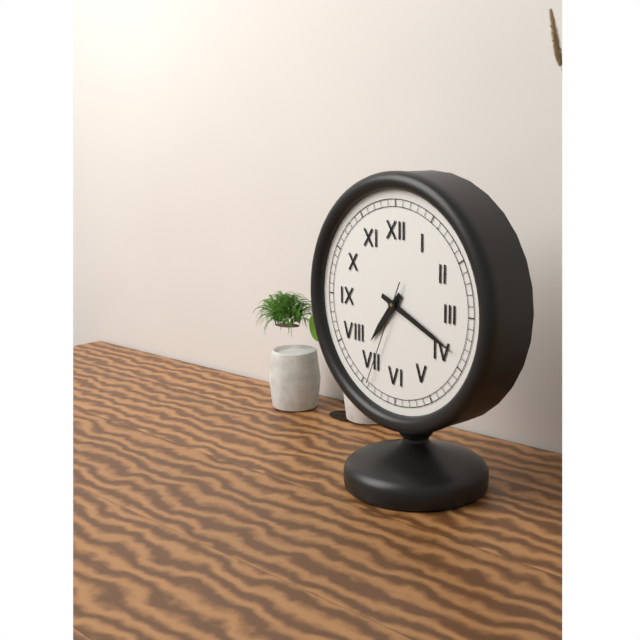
7:19:34
